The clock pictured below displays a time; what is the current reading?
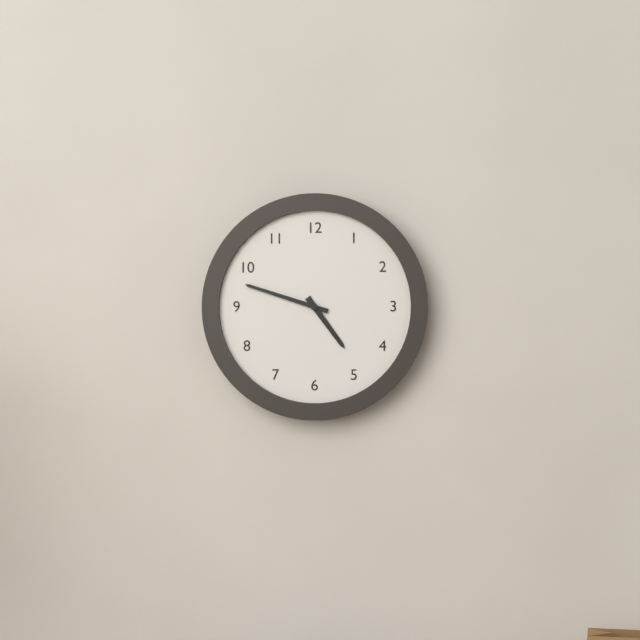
4:48
